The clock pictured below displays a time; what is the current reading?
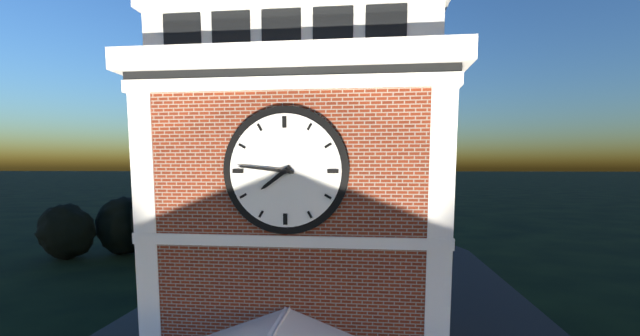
7:46
